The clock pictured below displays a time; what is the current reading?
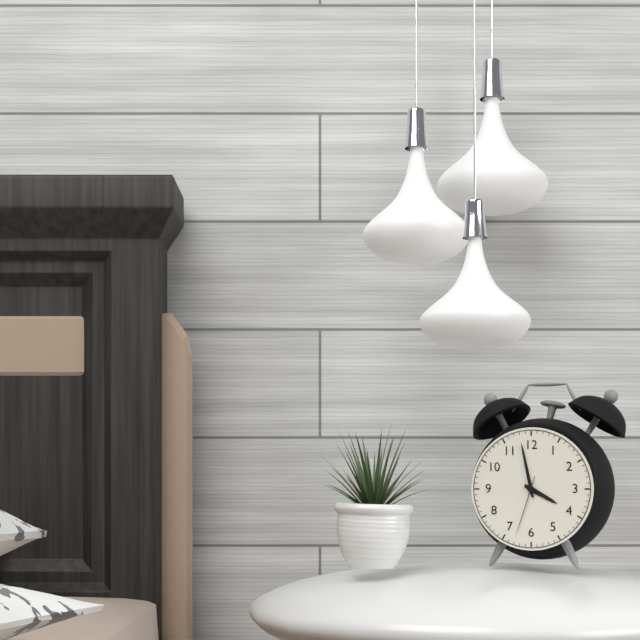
3:58:33
